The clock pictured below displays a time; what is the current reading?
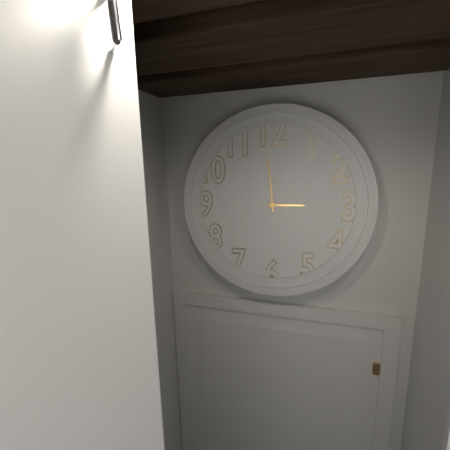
2:59
